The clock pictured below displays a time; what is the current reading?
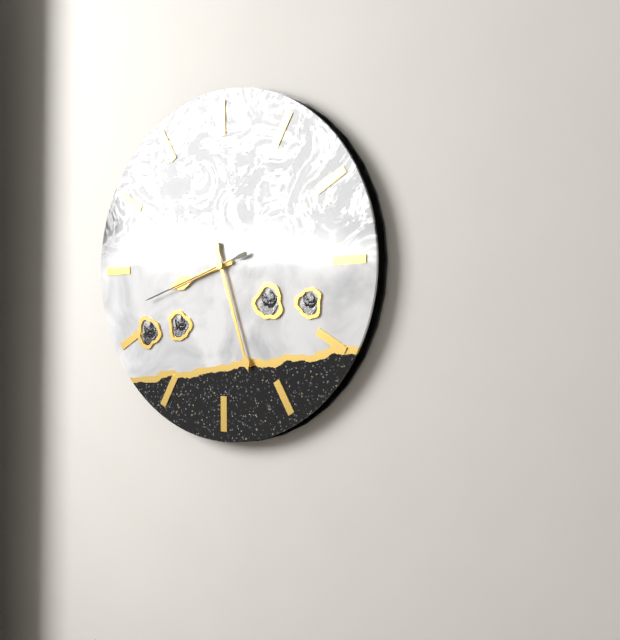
8:27:42
